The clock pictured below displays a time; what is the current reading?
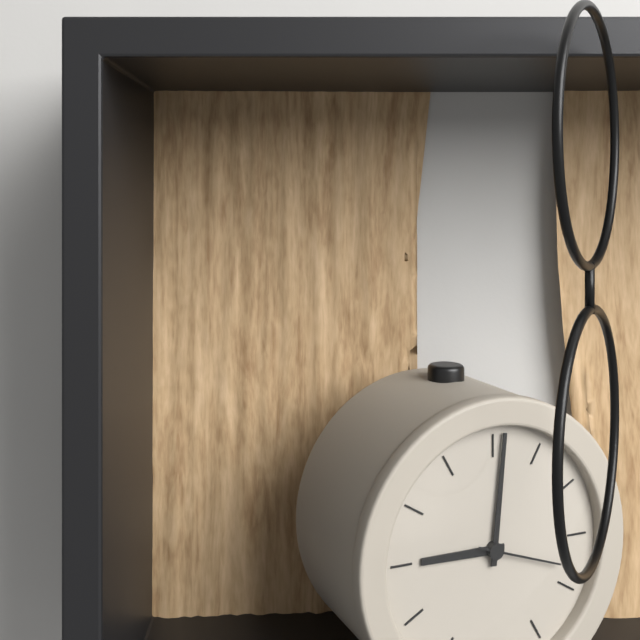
9:01:18
